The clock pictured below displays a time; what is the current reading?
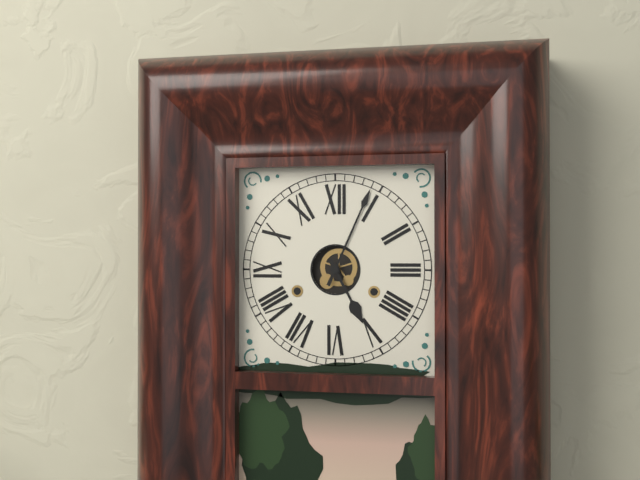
5:04
